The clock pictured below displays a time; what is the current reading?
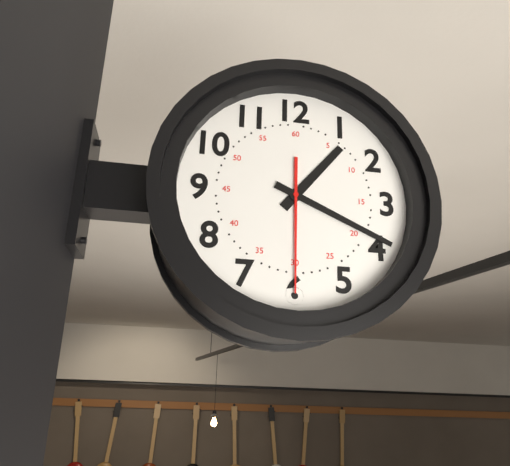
1:19:30
